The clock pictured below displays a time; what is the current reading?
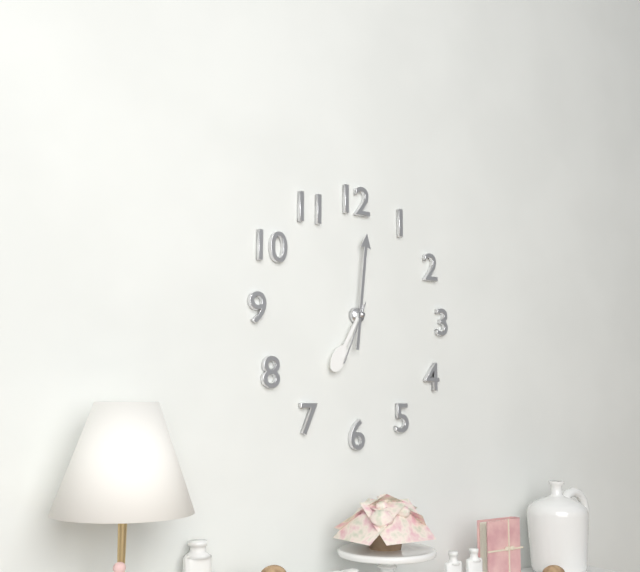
7:01:34
